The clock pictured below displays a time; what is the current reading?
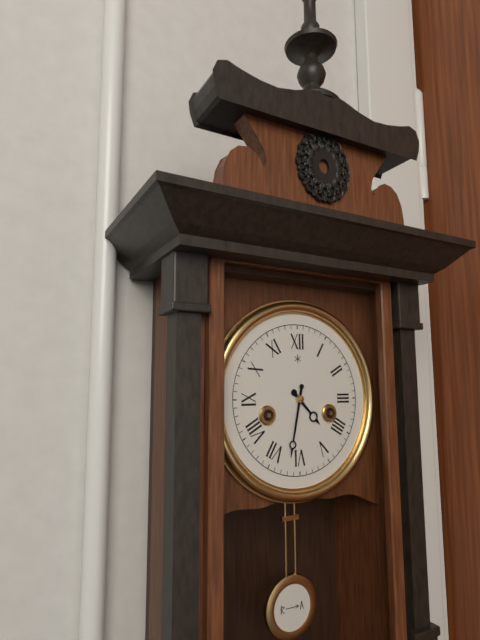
4:32
